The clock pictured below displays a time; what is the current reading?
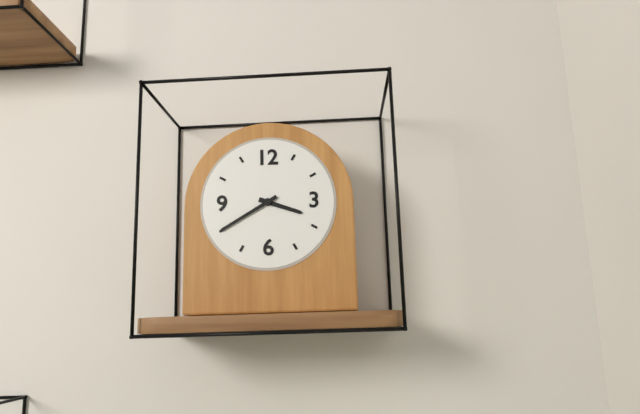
3:40
